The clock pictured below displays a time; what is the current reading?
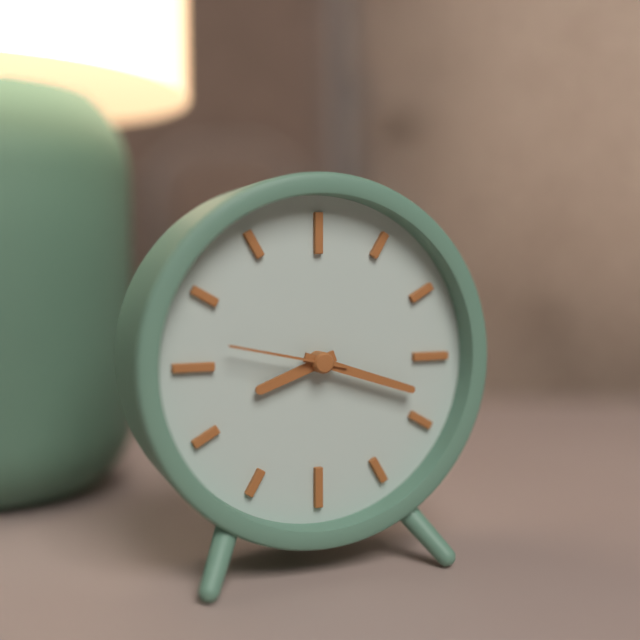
8:18:47
